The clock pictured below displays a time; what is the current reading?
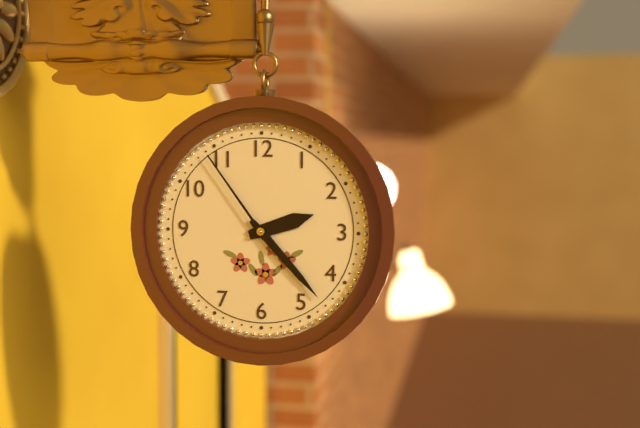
2:23:54
